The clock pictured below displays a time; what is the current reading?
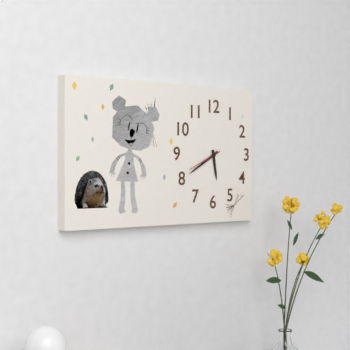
5:40
